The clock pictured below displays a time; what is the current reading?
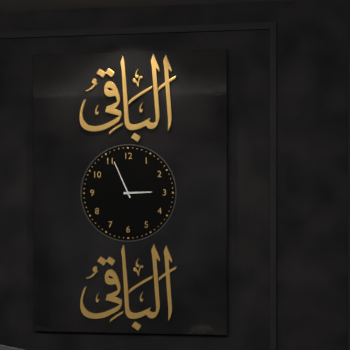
2:56
